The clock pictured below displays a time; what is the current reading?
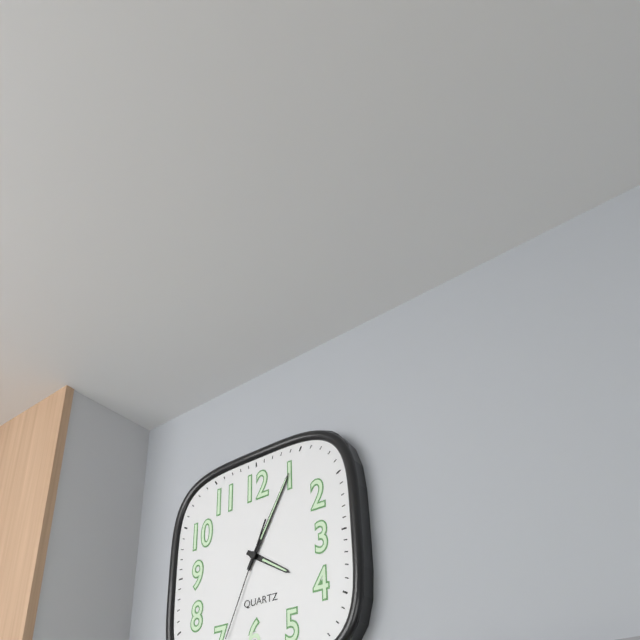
4:05:34
